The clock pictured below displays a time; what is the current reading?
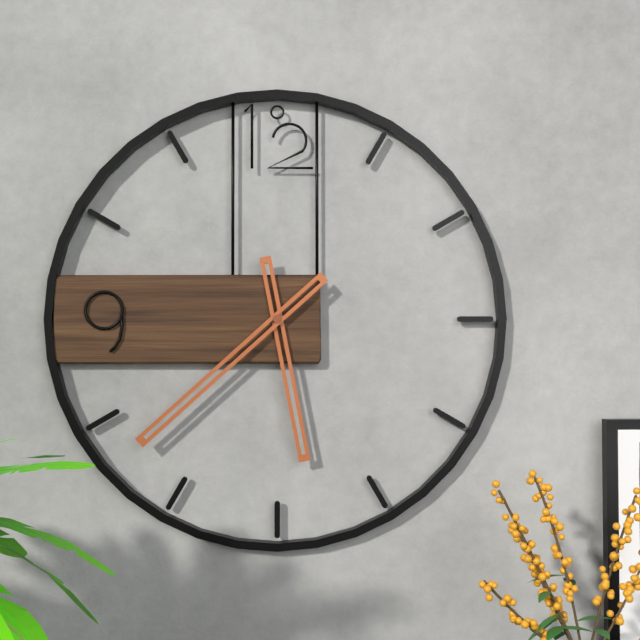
5:38
